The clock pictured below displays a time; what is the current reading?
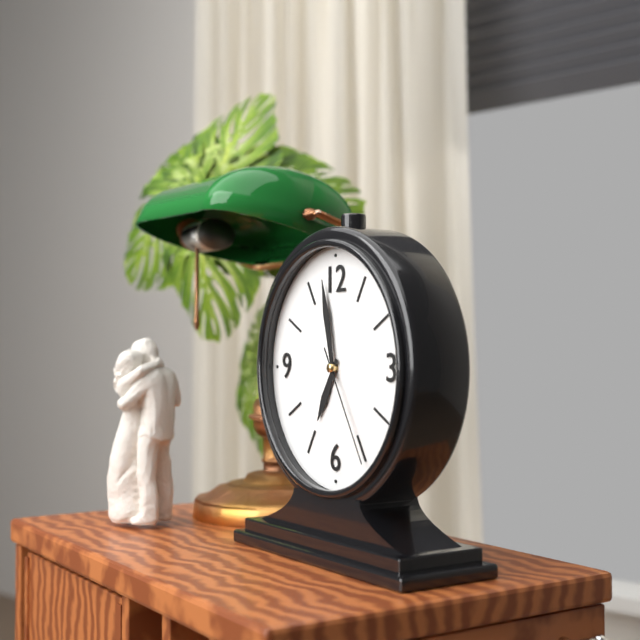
6:58:25
